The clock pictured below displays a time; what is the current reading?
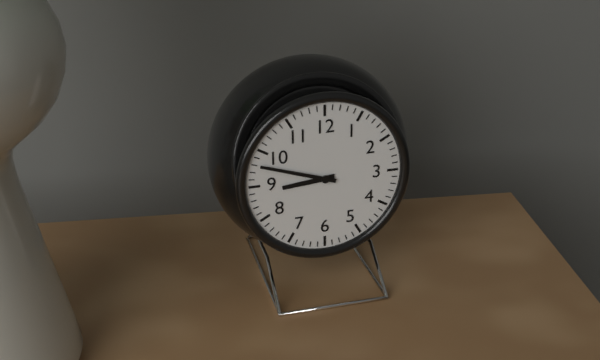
8:48
